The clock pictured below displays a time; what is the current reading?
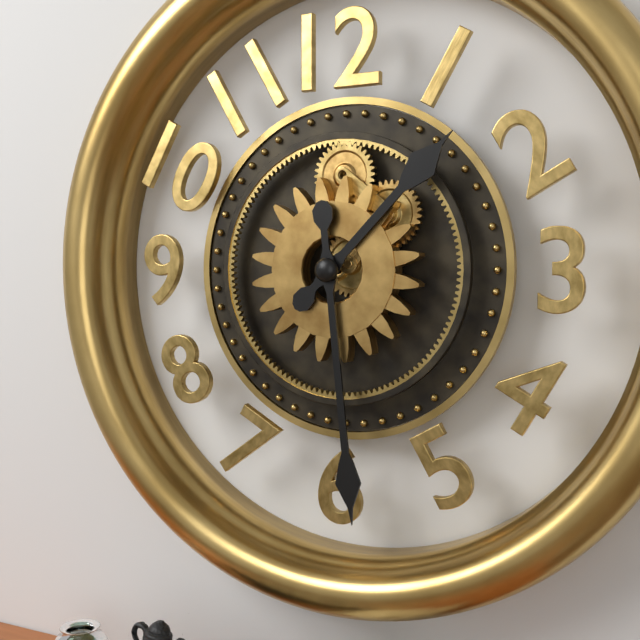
1:29
